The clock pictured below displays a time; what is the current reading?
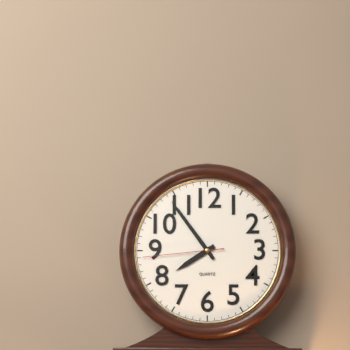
7:54:44
